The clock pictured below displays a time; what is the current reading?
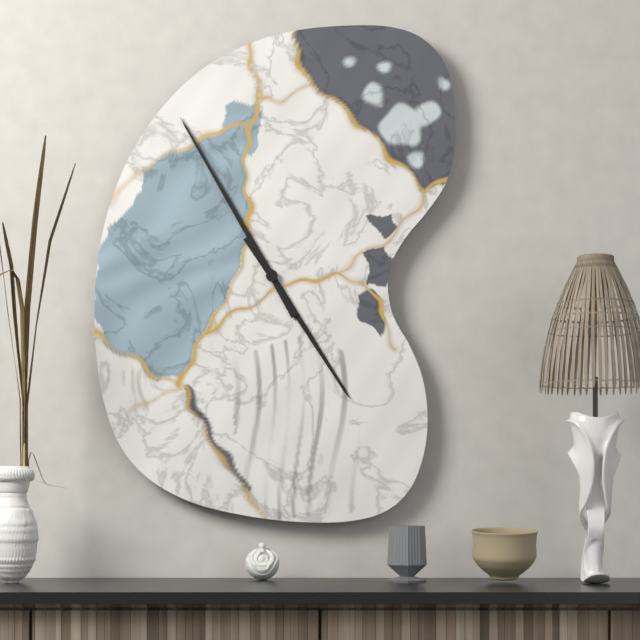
4:55
